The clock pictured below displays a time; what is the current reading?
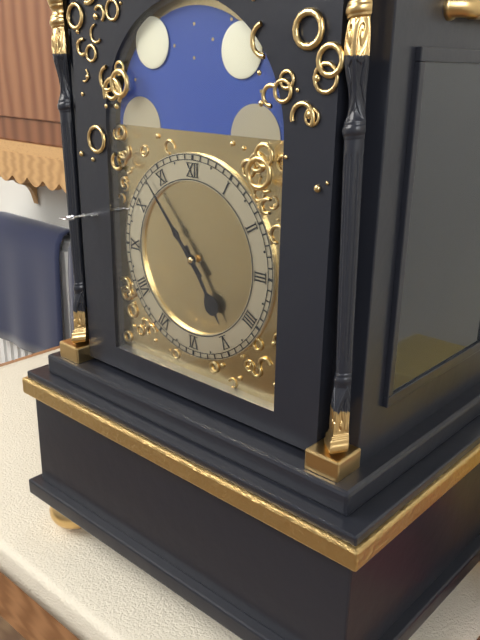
4:53
